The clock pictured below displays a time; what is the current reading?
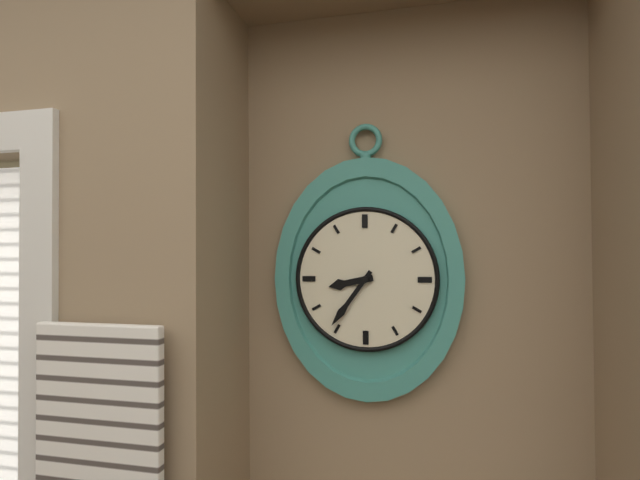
8:36
